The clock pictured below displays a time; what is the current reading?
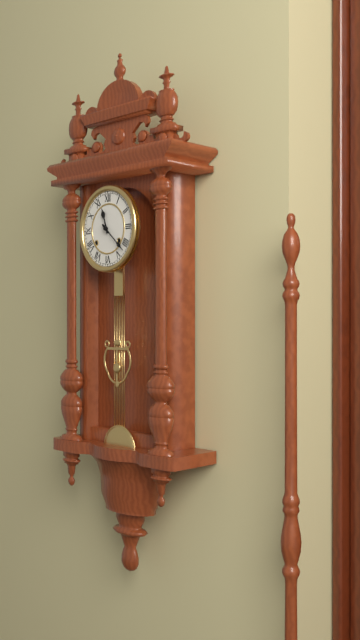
11:22
